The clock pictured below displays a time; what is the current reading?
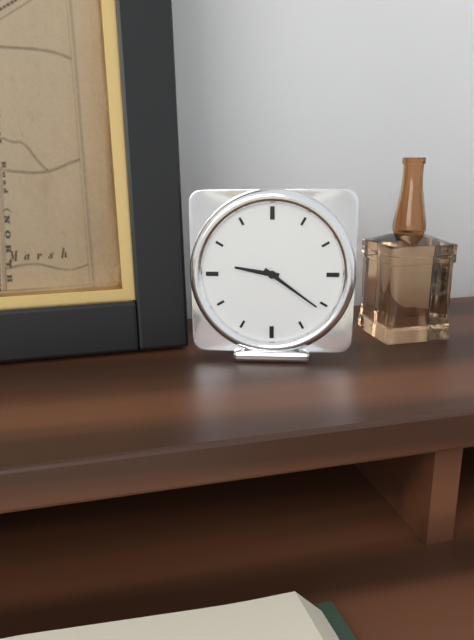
9:21
